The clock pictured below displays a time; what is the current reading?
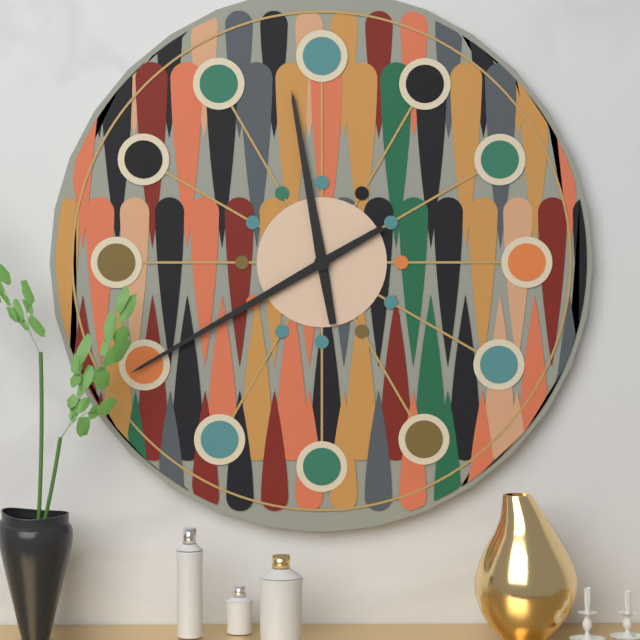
11:40
